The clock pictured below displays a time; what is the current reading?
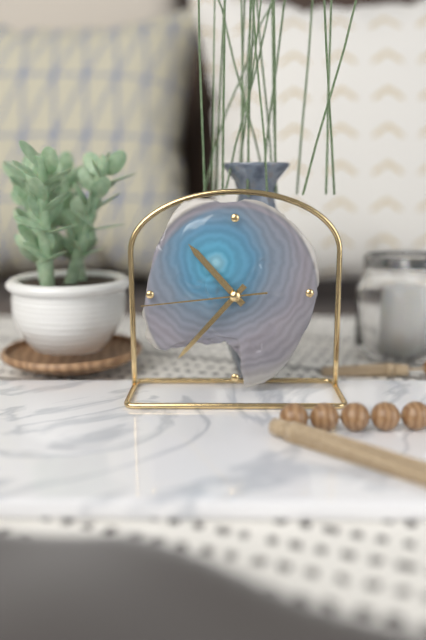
10:37:44
